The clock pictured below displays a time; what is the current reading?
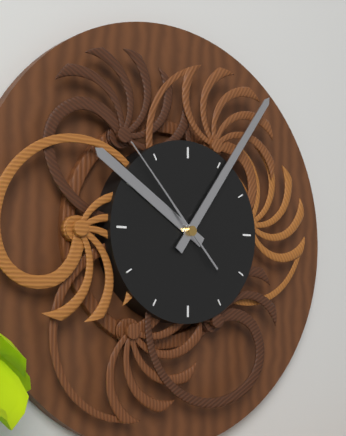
10:06:53
